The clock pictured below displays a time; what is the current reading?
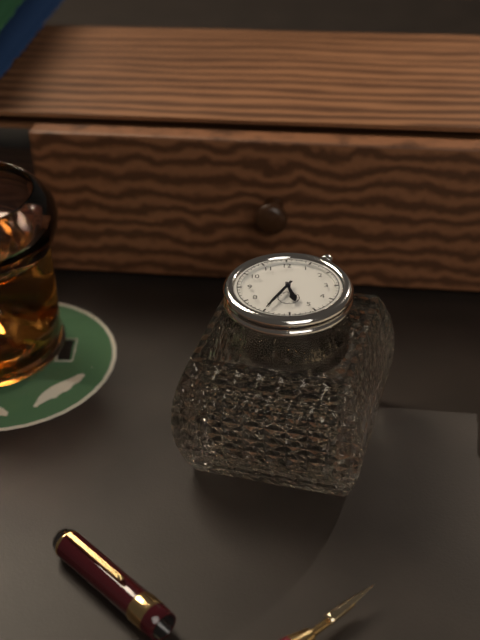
5:35
